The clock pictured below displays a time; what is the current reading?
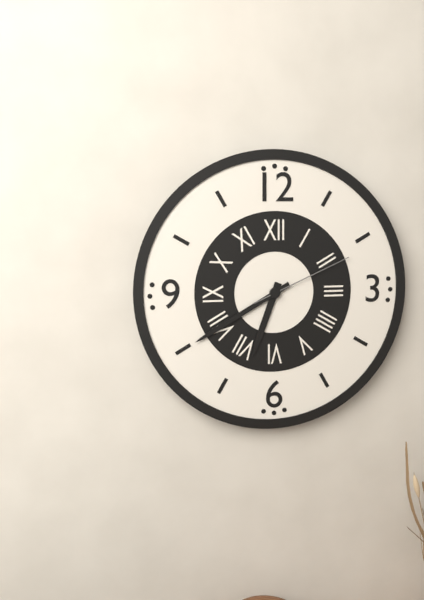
6:40:11
